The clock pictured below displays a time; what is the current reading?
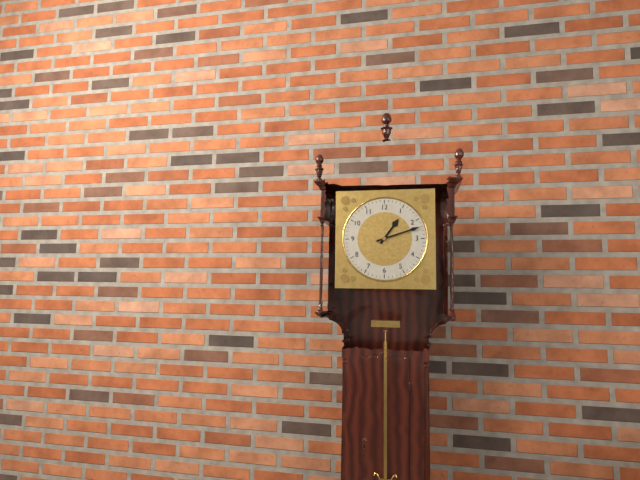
1:12
